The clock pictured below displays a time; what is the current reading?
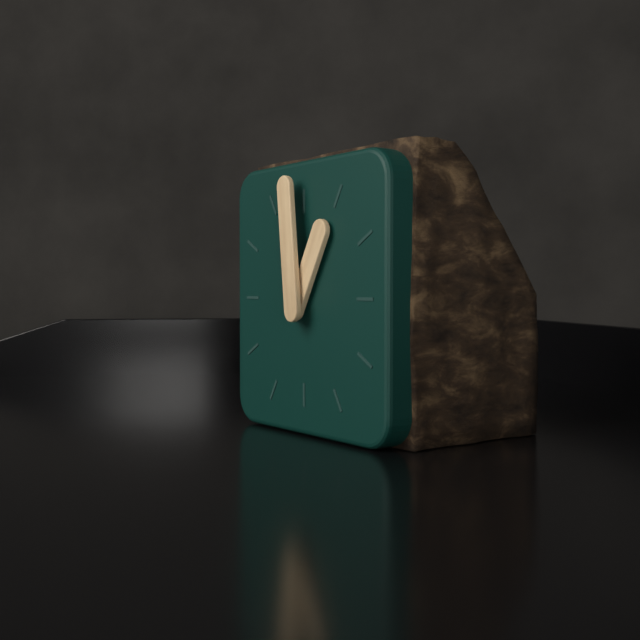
12:59
